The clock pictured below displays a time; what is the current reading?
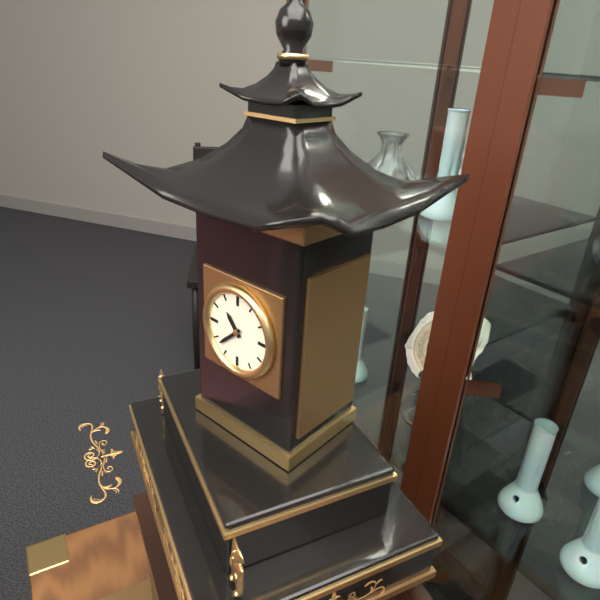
10:38
